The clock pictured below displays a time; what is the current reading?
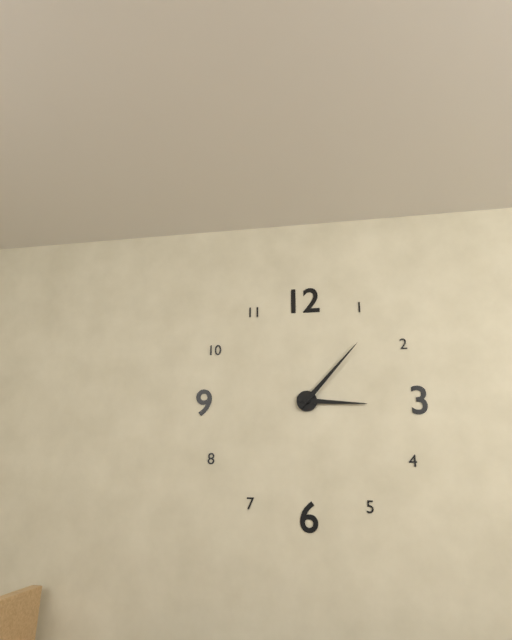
3:07
